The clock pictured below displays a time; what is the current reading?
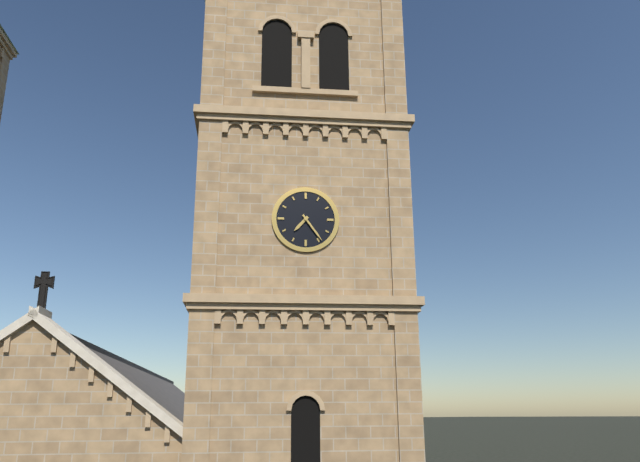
7:24
